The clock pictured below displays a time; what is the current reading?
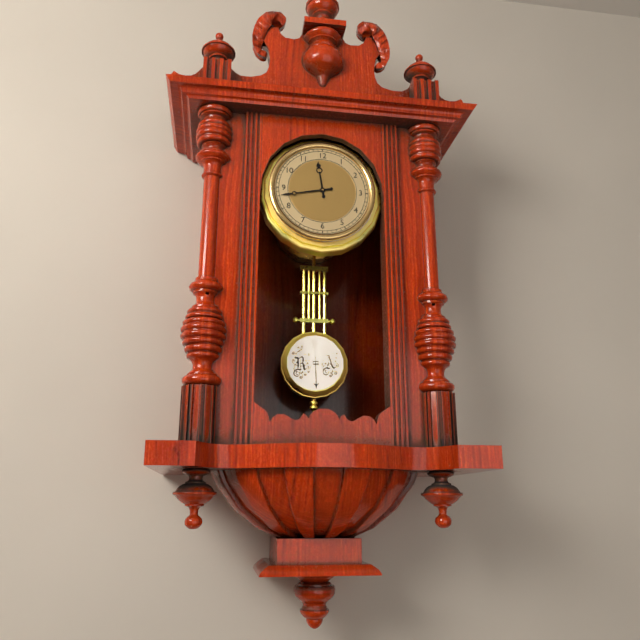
11:43
